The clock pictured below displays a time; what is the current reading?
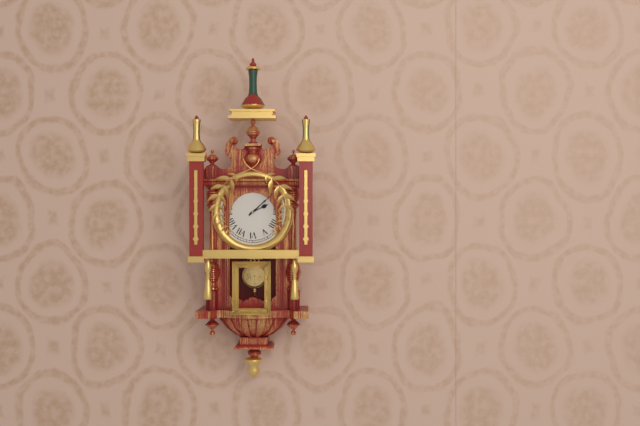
2:08
